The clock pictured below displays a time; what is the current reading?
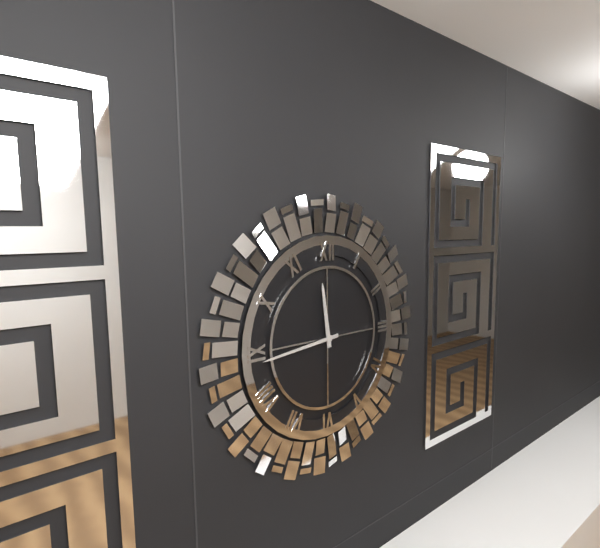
11:44
